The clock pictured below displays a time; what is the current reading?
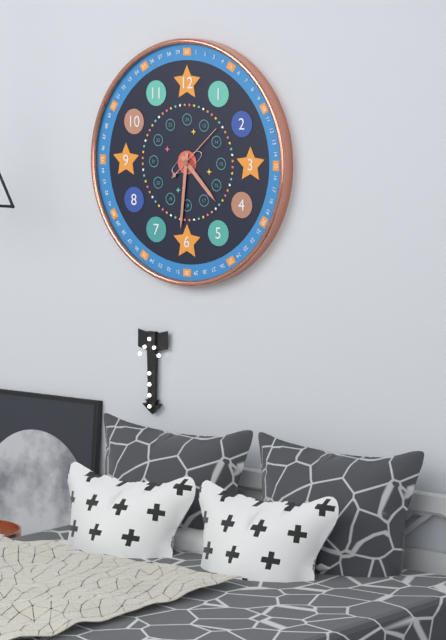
4:31
